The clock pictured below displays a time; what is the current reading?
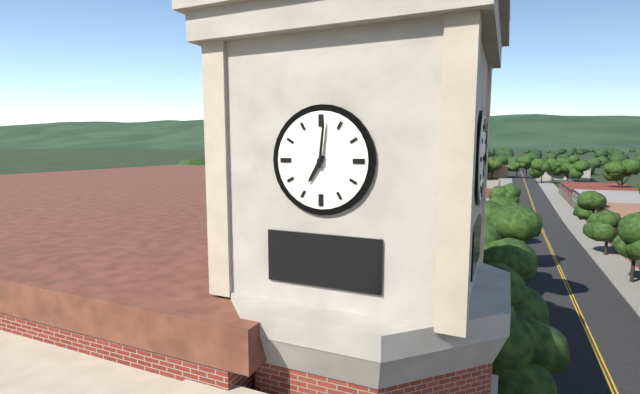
7:01
